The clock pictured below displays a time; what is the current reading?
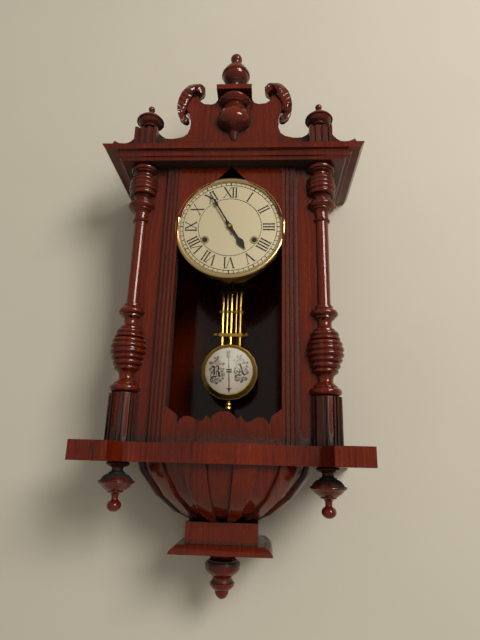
4:55
